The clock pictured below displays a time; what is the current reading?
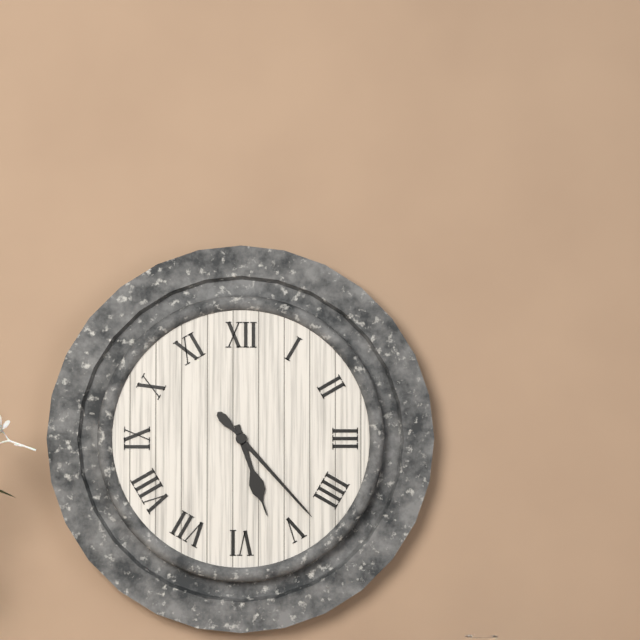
5:23
